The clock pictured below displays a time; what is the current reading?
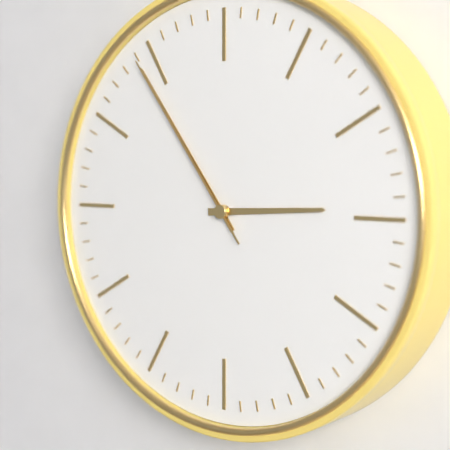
2:54:54
